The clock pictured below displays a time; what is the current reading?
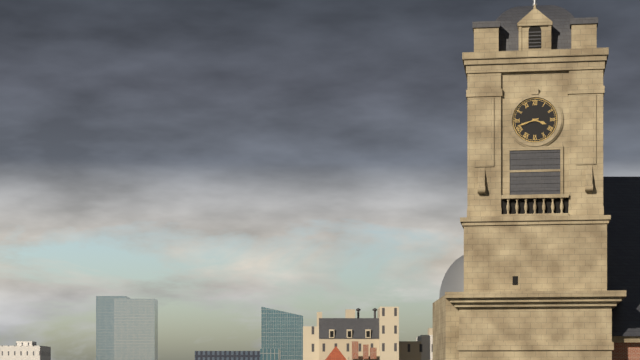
3:42
